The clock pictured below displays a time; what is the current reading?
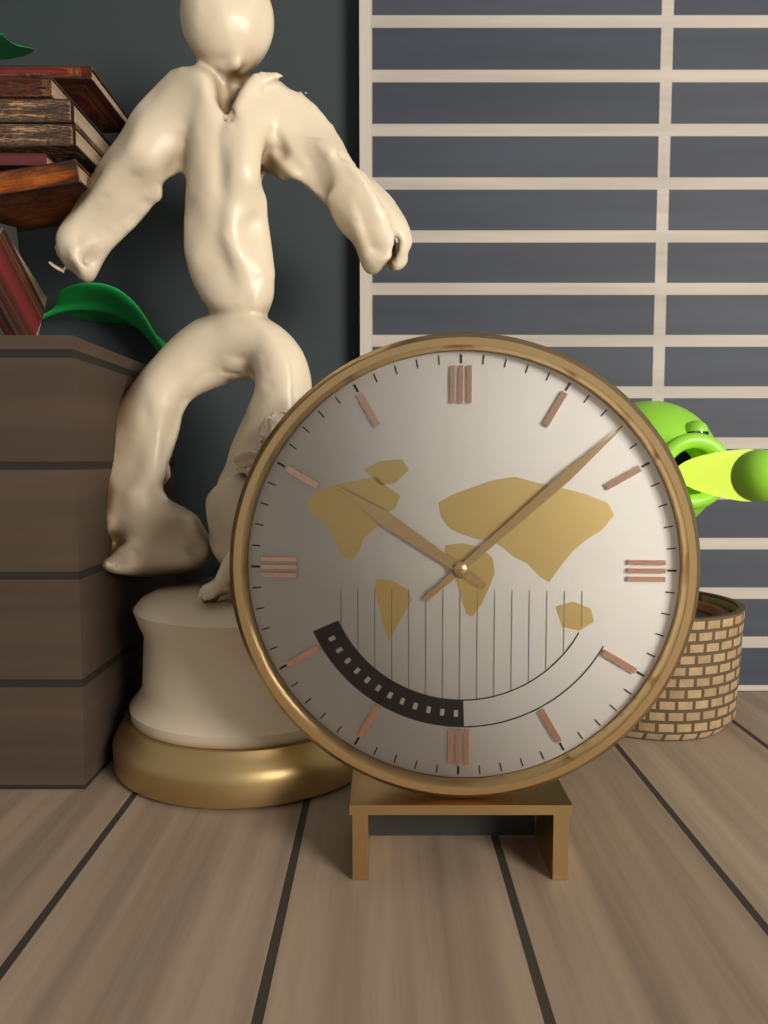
10:08
